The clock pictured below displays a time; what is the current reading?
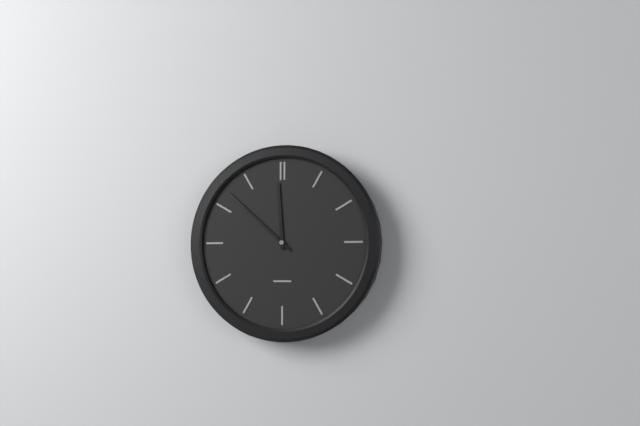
11:52
